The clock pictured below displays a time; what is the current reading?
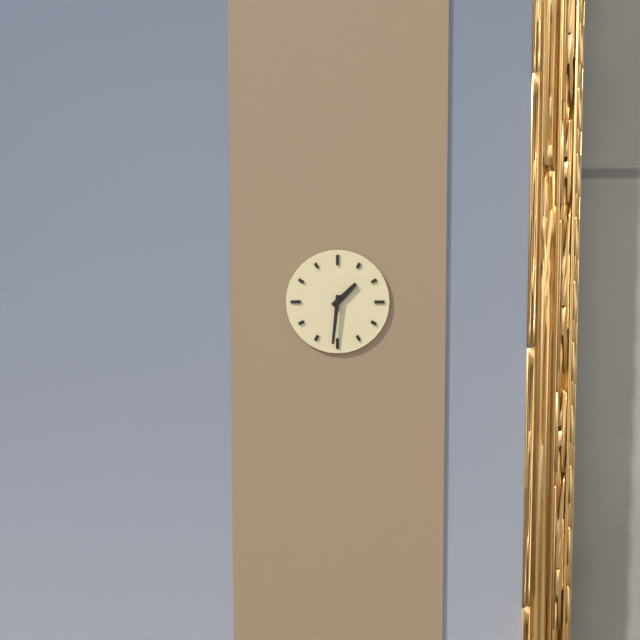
1:31
